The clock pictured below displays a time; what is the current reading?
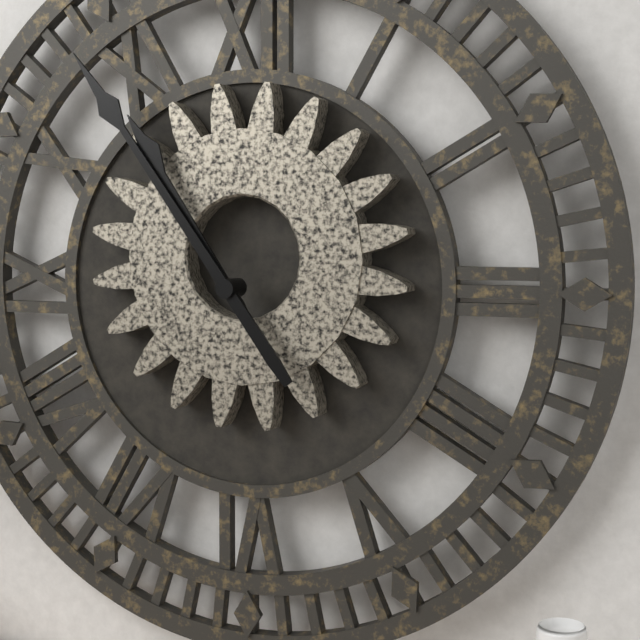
10:54
